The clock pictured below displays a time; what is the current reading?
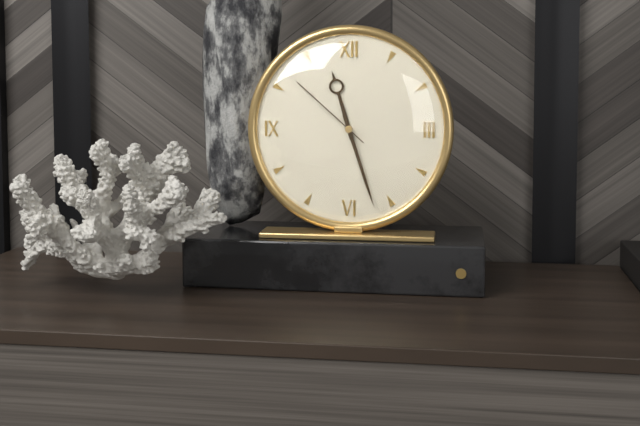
11:27:52
